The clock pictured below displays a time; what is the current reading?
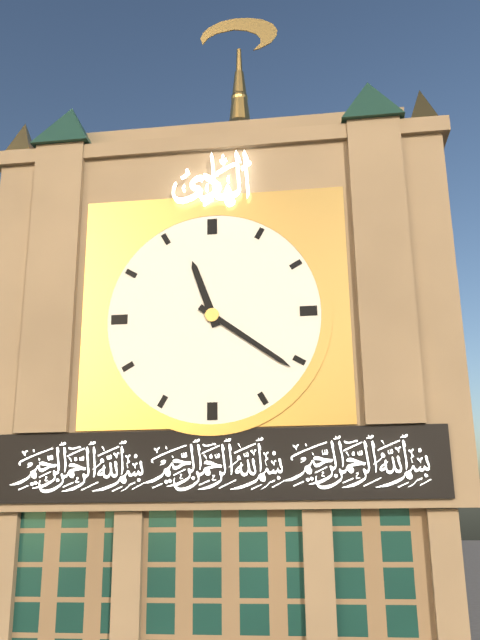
11:21
